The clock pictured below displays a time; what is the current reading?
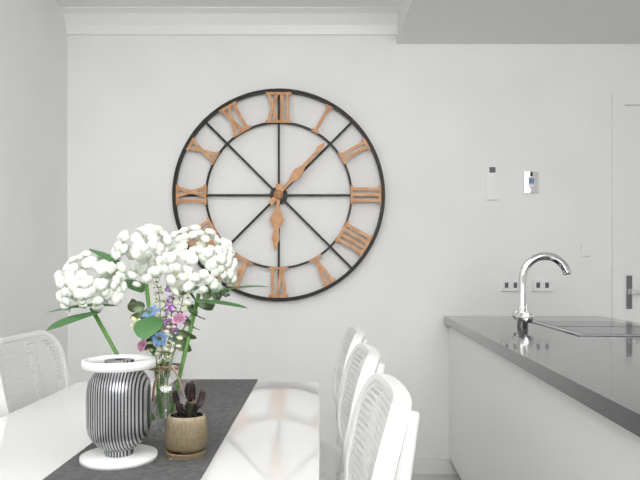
6:07
